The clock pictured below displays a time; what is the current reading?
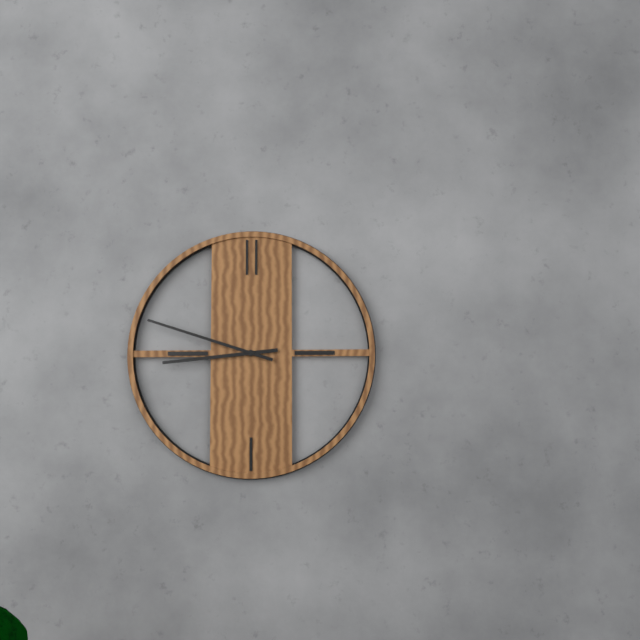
8:48
